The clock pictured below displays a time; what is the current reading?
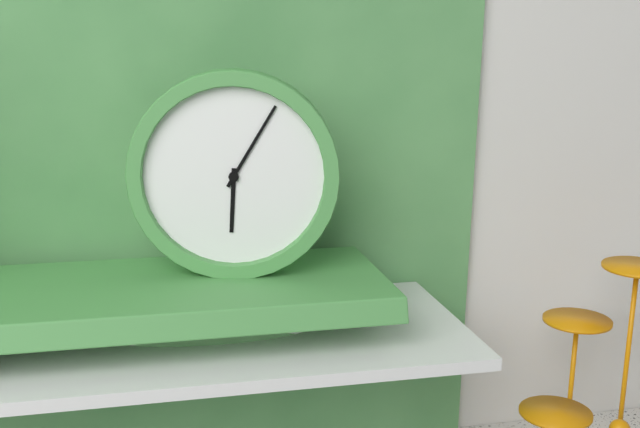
6:05
